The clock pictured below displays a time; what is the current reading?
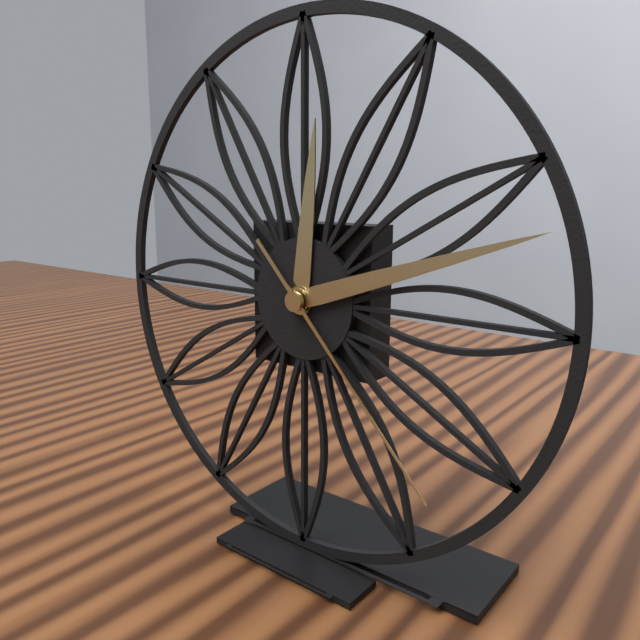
12:12:23
